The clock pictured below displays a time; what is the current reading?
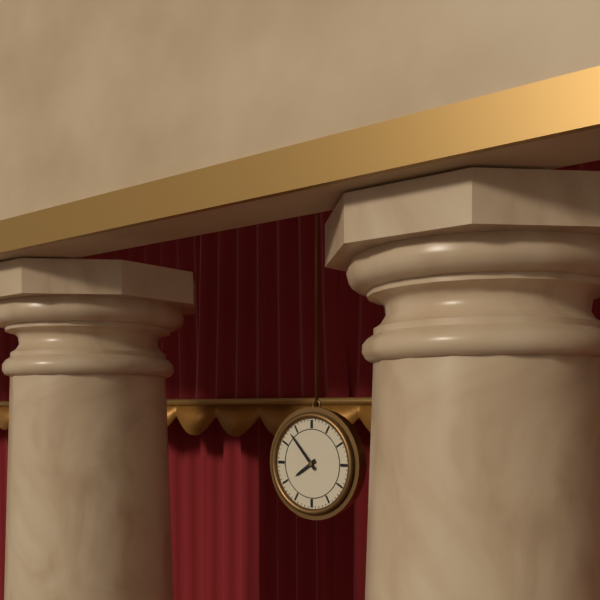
7:53
